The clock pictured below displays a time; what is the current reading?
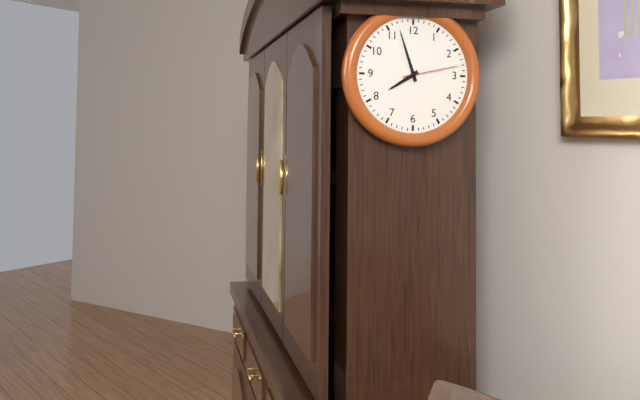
7:57:13
